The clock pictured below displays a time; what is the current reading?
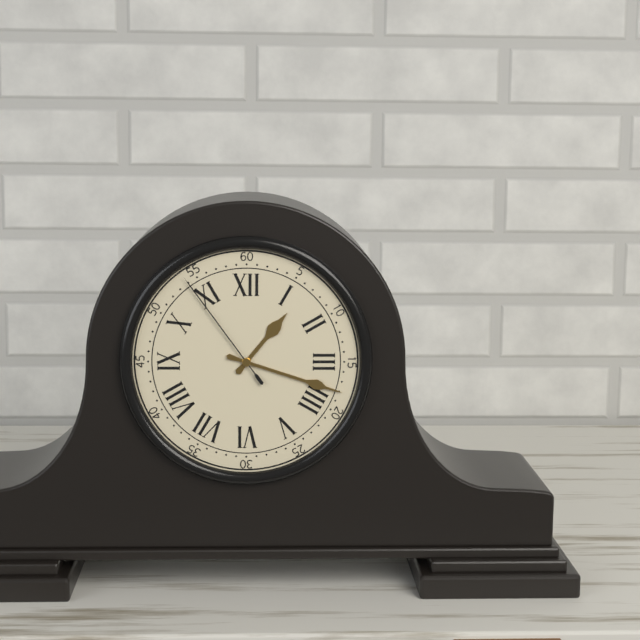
1:18:54
